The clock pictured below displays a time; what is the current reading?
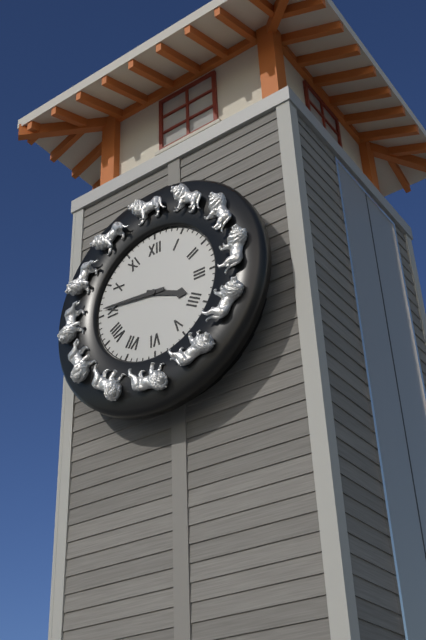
3:46
